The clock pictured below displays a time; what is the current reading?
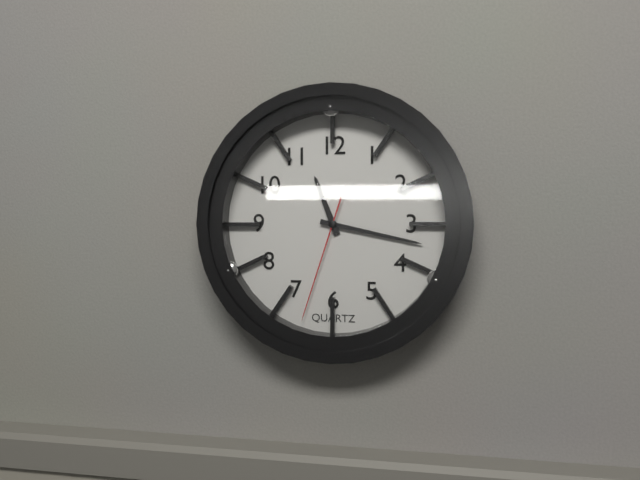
11:17:33
